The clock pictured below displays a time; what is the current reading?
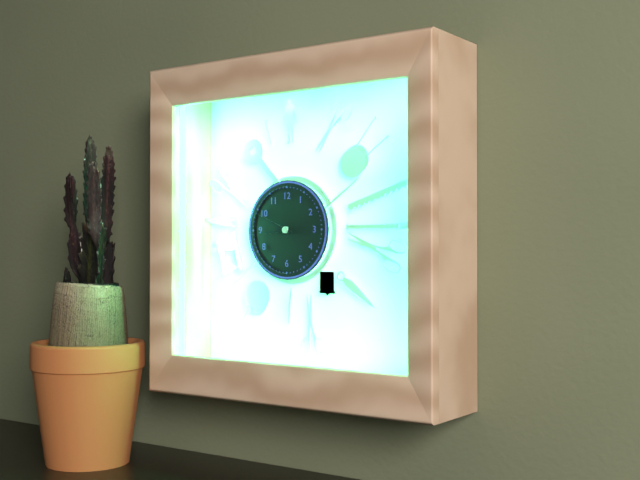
8:49
